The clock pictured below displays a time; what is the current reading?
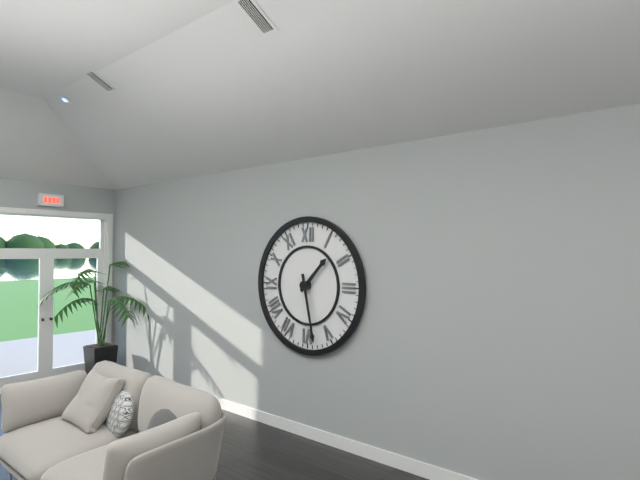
1:28
